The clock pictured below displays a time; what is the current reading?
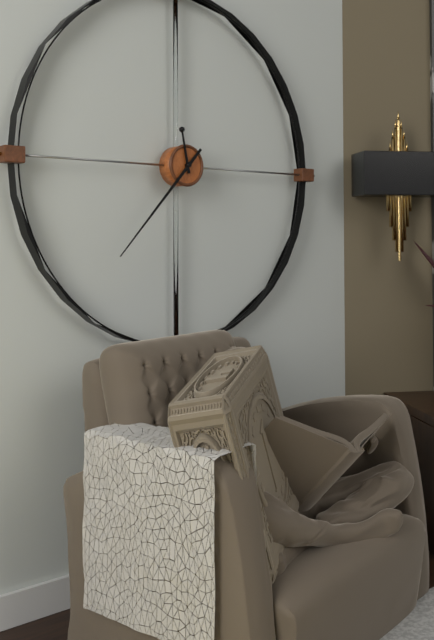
11:37
